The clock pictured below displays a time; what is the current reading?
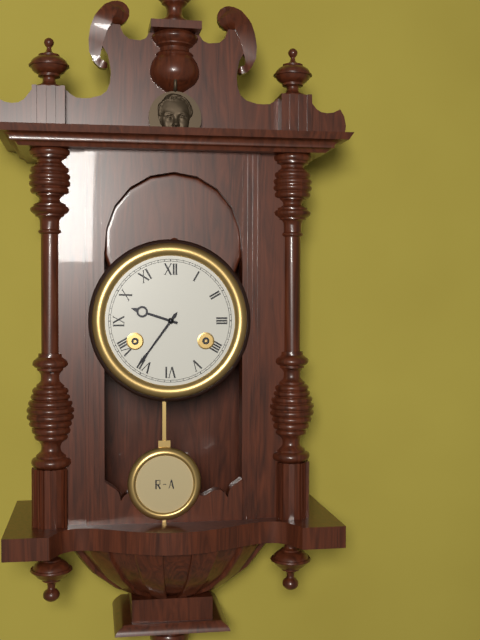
9:36
